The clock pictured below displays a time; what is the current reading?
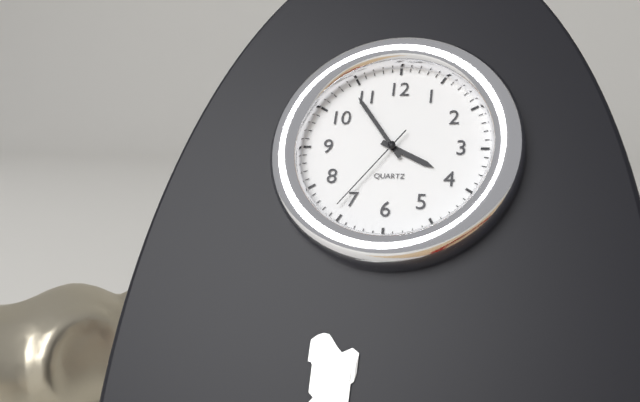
3:54:36
